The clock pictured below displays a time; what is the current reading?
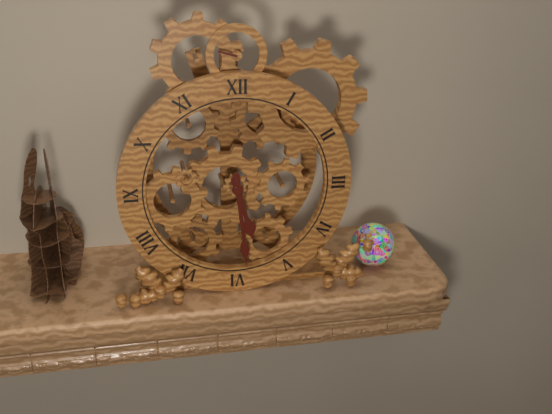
5:29
